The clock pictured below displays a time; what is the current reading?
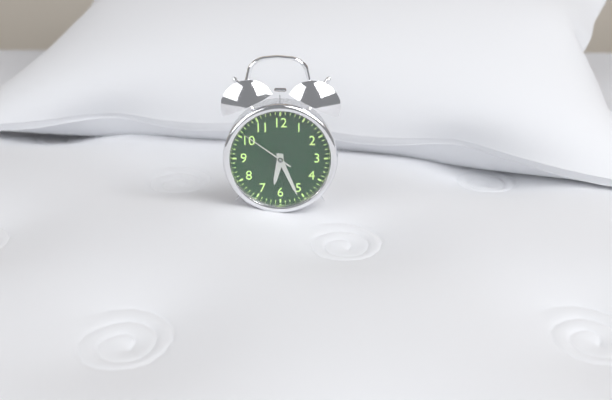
6:26:51
